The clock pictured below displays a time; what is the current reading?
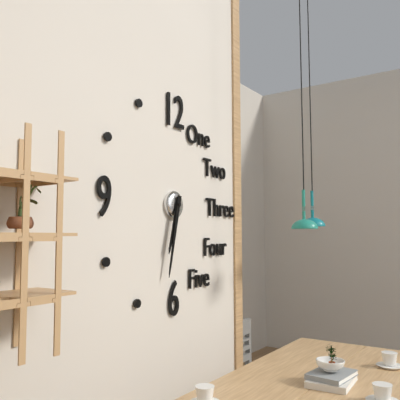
6:32
